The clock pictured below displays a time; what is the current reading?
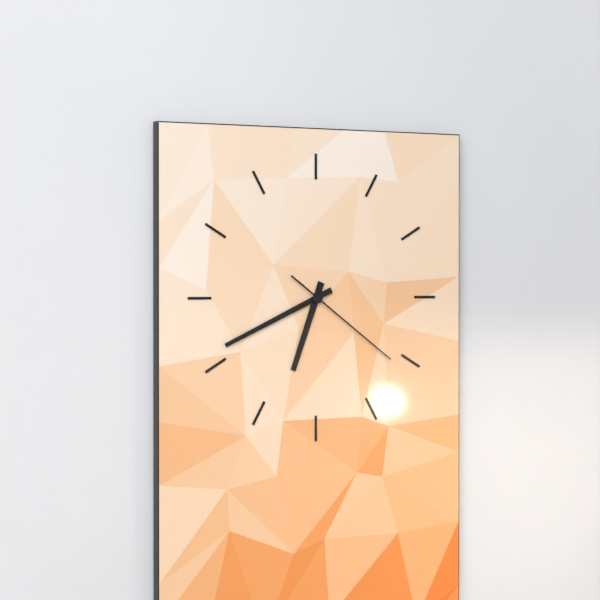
6:41:21
